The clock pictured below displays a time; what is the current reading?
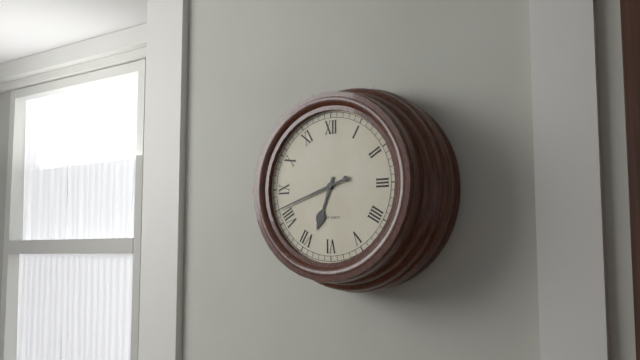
6:42
